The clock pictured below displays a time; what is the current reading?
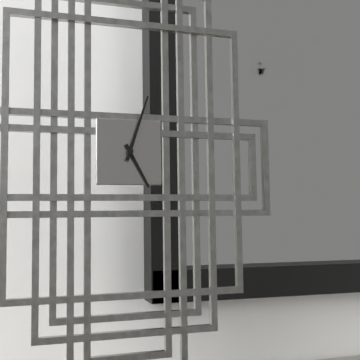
5:03
